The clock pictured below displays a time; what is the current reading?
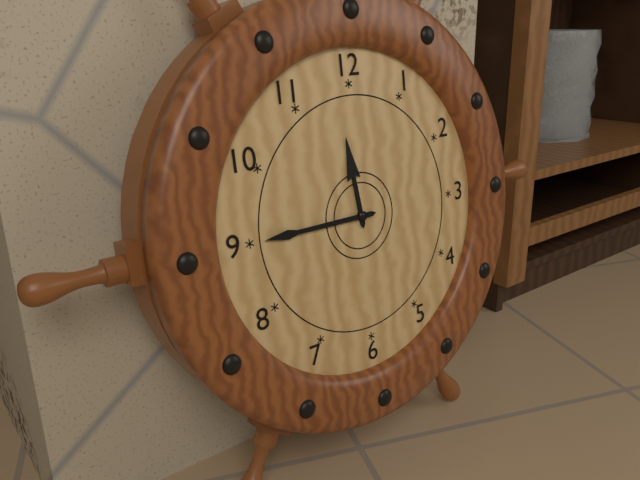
11:45
